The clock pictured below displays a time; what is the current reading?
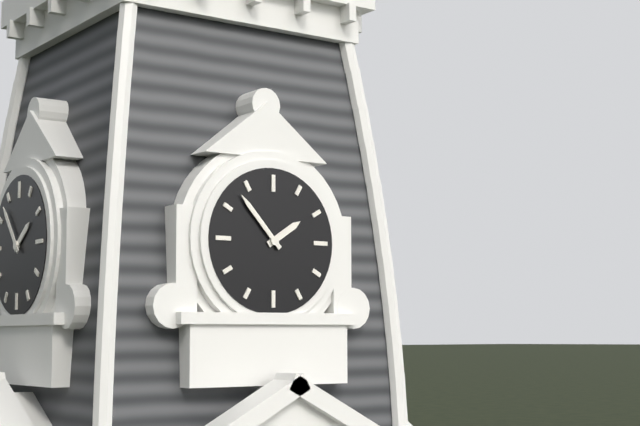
1:53
